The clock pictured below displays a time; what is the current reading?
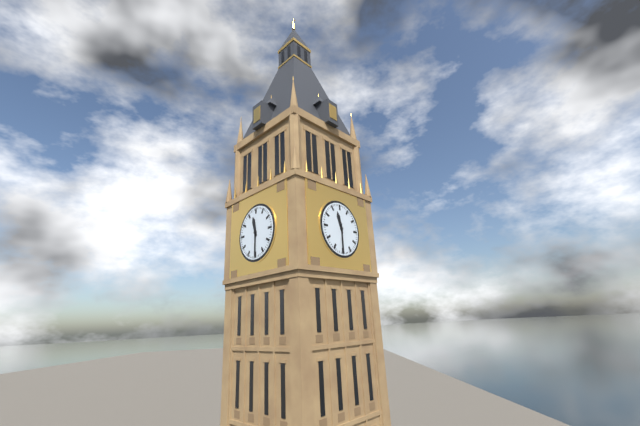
11:30
